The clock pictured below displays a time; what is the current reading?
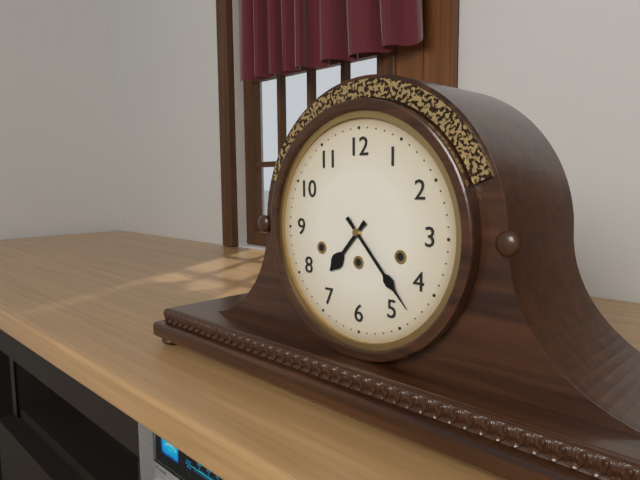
7:23
